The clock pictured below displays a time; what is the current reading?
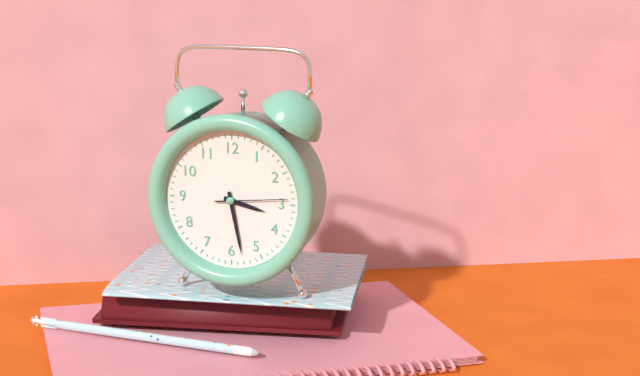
3:28:14
